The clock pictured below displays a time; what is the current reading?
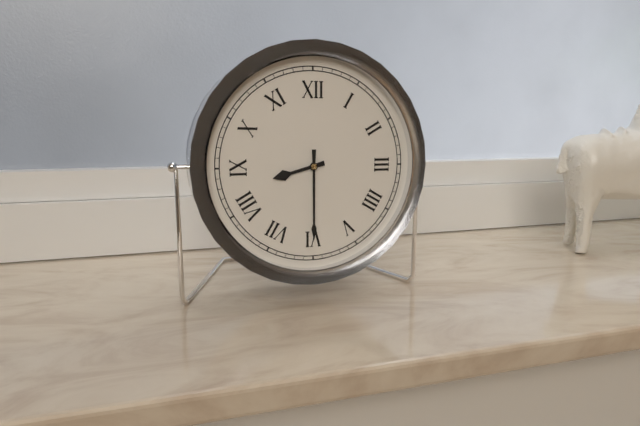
8:30
